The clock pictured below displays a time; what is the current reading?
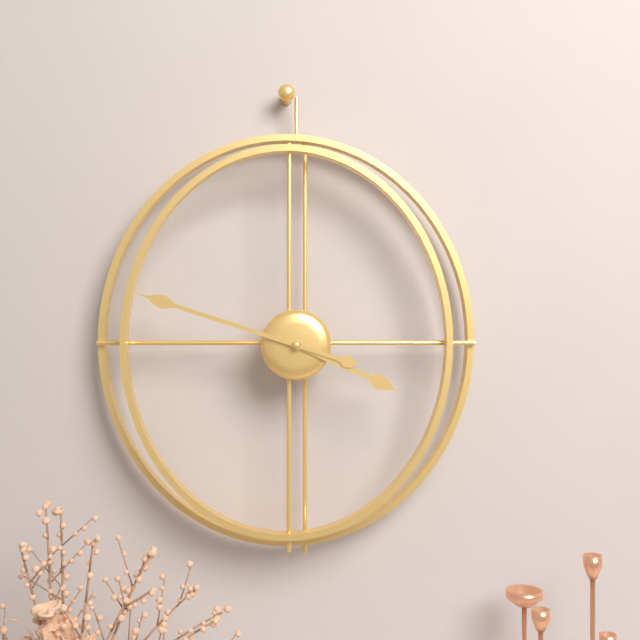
3:48
